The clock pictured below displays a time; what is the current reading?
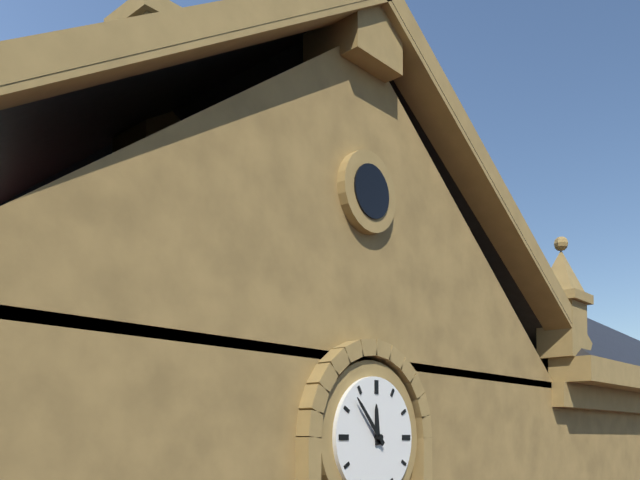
11:53
